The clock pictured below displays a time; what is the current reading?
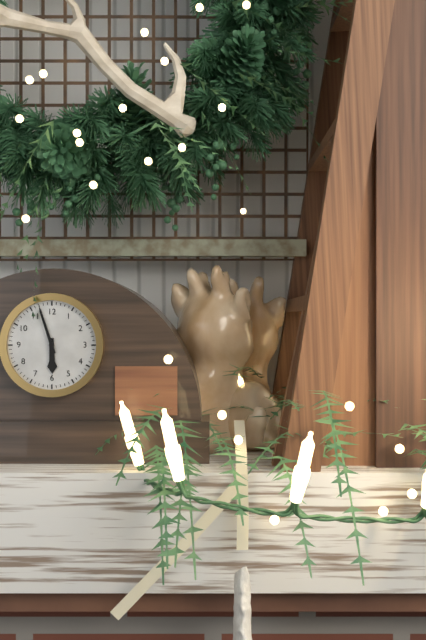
5:57
